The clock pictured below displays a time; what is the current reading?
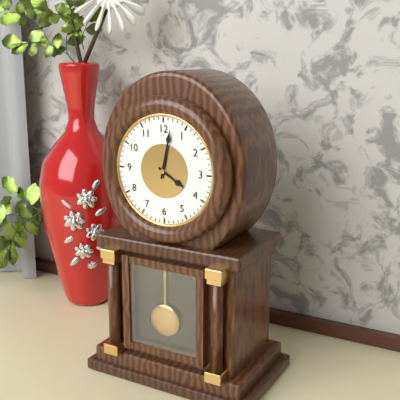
4:02
